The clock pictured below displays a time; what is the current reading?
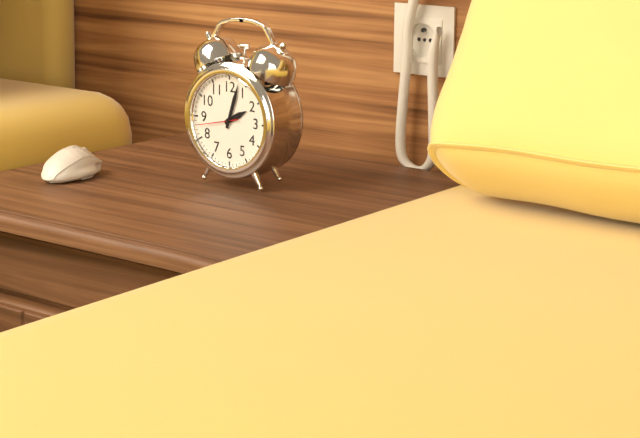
2:03
